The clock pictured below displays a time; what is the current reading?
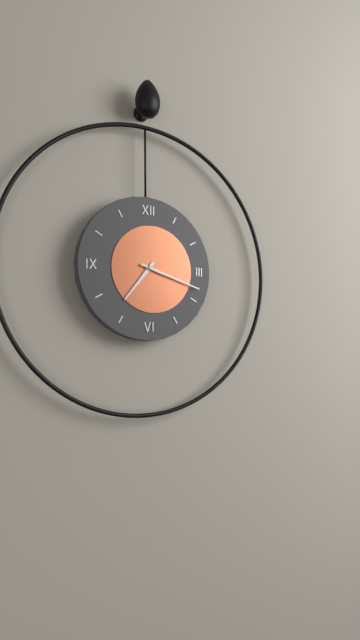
7:18
